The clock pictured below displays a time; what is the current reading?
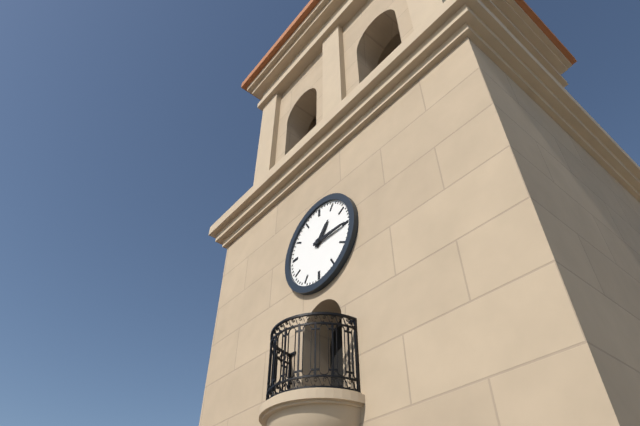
1:15
